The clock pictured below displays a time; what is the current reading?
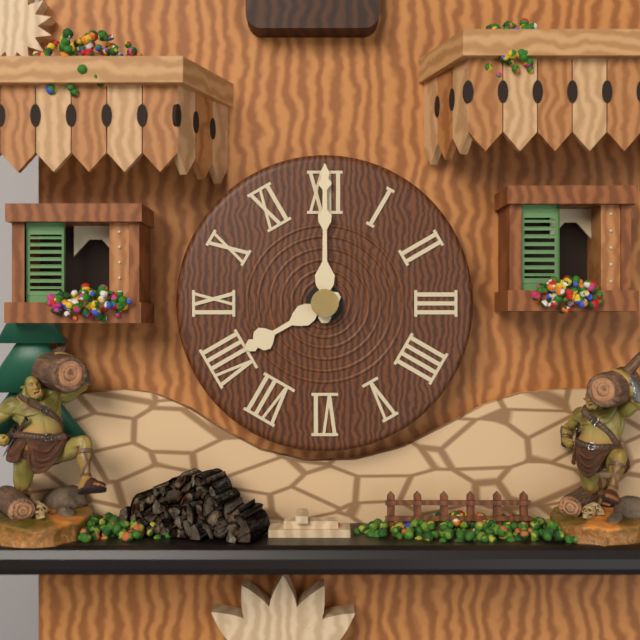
8:00
